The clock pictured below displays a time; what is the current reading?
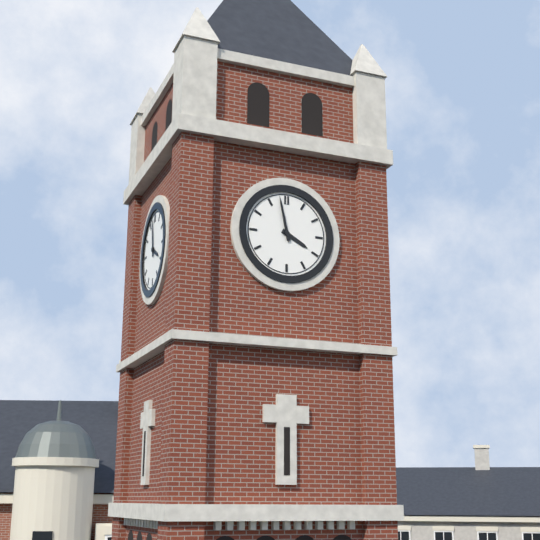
3:58
